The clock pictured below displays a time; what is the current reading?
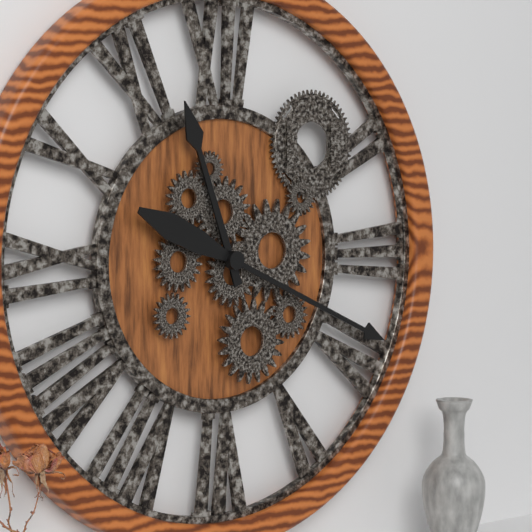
11:19
